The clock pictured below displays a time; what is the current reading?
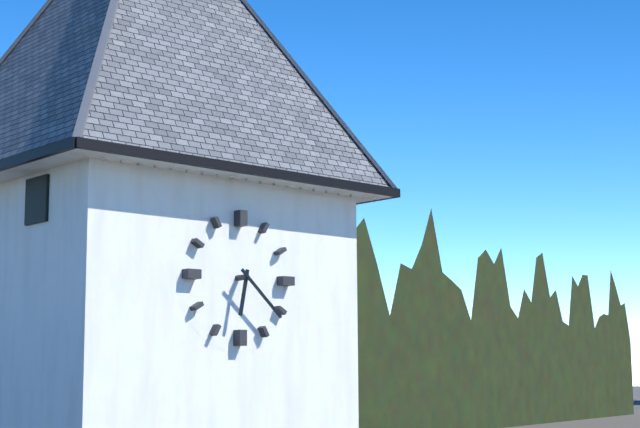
6:22
